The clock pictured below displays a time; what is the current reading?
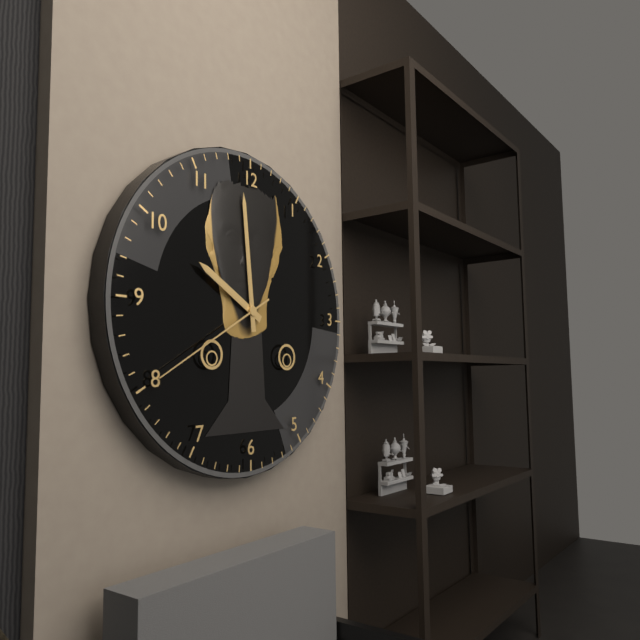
9:59:40
